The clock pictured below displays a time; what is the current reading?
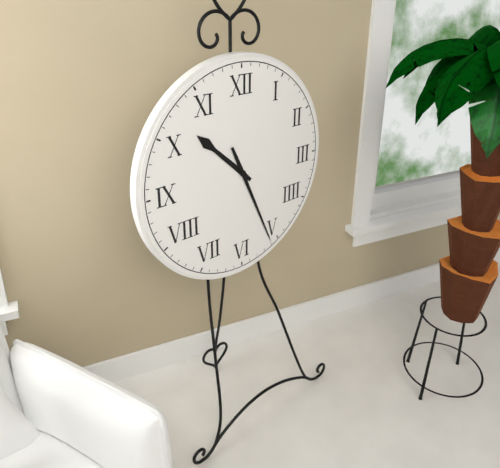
10:26
